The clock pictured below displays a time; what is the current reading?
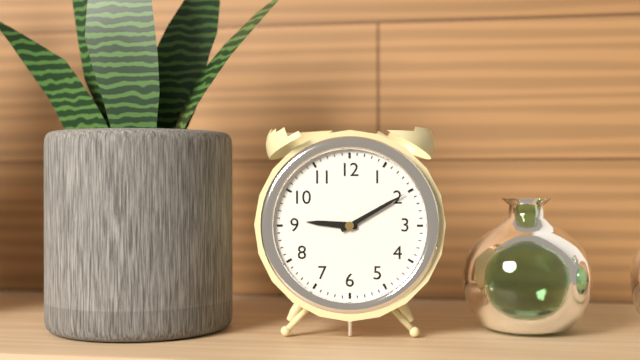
9:10
